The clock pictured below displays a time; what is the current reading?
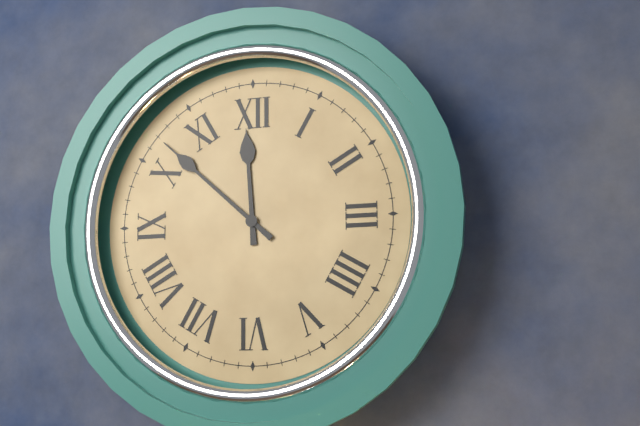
11:52
